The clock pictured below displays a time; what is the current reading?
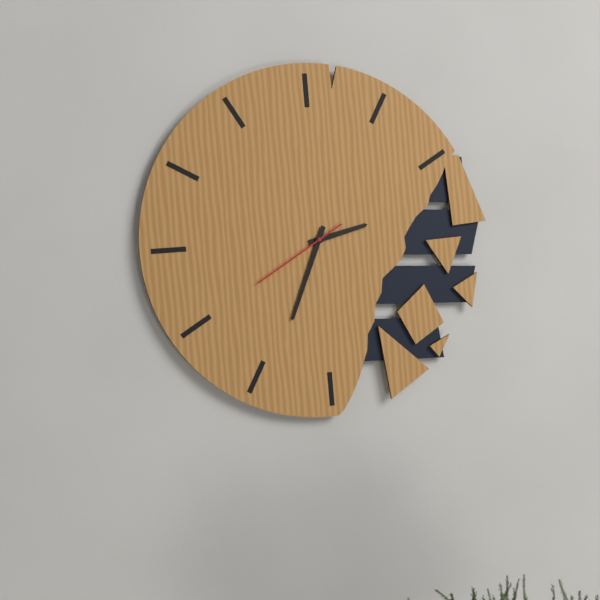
2:34:40
